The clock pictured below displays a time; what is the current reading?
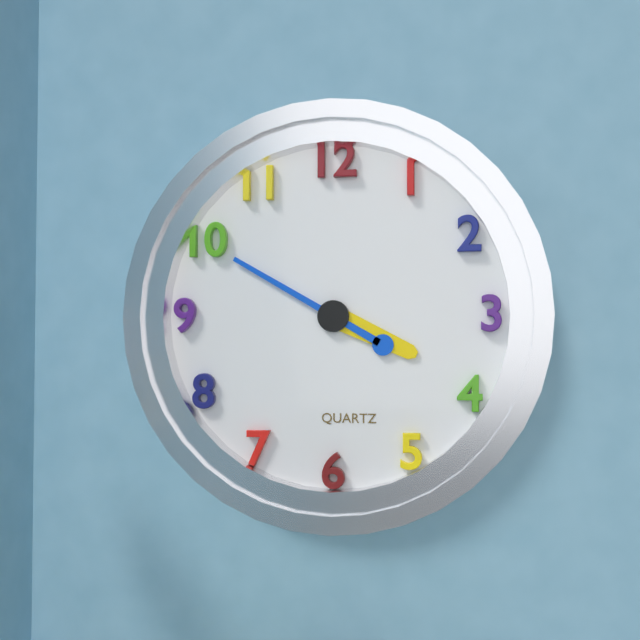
3:50
